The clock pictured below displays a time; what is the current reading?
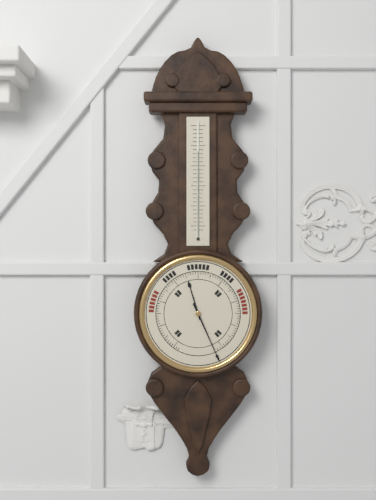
11:26
